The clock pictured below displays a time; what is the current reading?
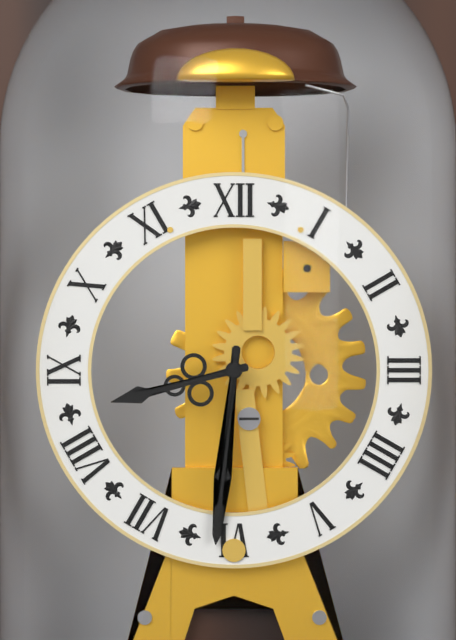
8:31
